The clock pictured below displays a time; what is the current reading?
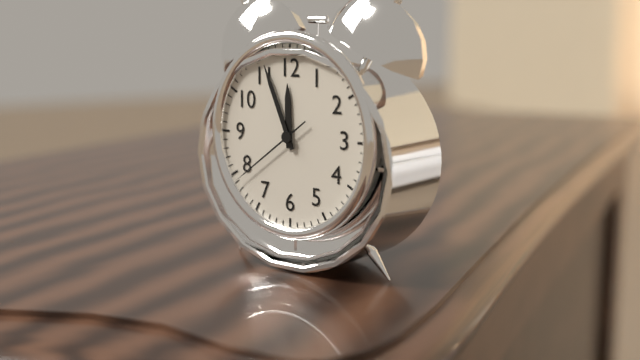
11:56:39
